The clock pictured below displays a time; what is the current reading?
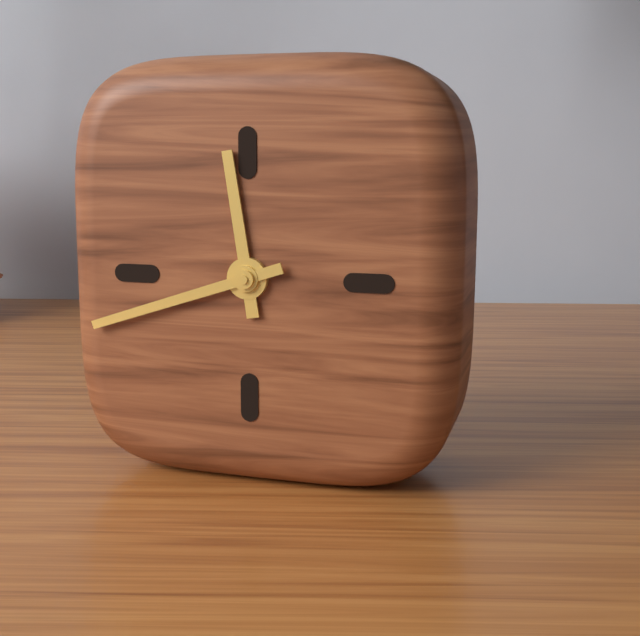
11:42
